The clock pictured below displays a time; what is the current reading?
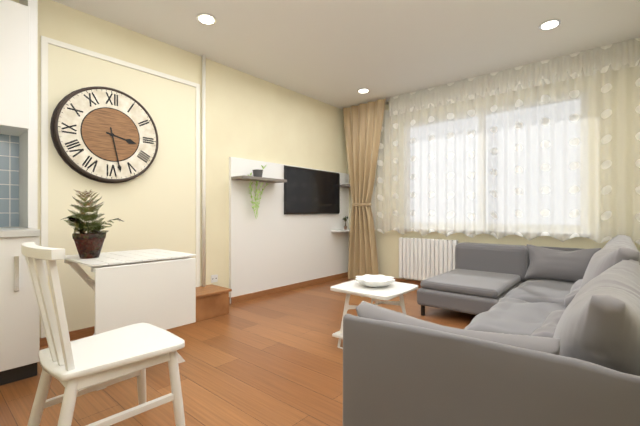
3:28
